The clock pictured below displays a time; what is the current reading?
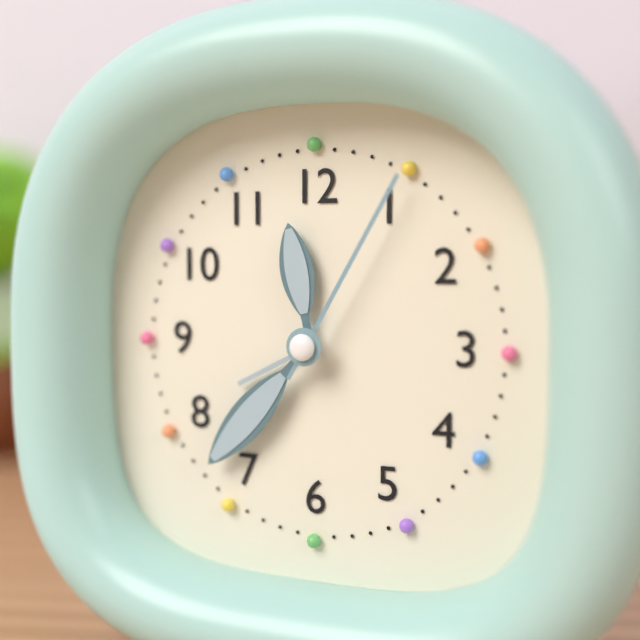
11:37:05
